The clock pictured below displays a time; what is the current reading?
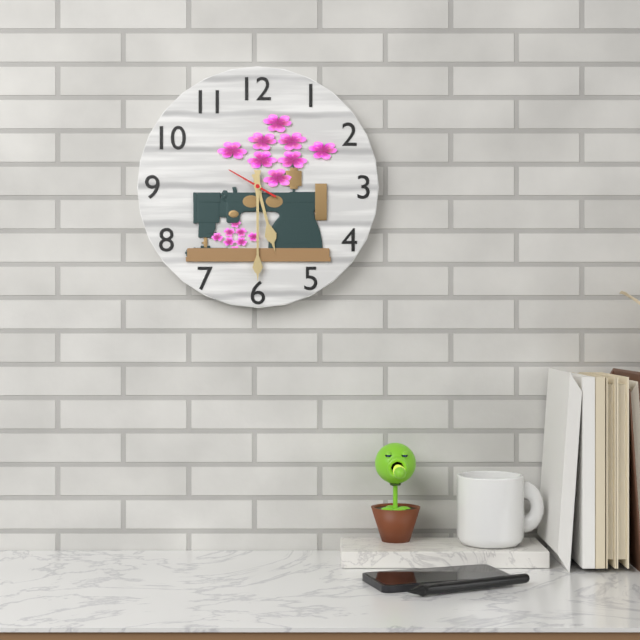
5:30
